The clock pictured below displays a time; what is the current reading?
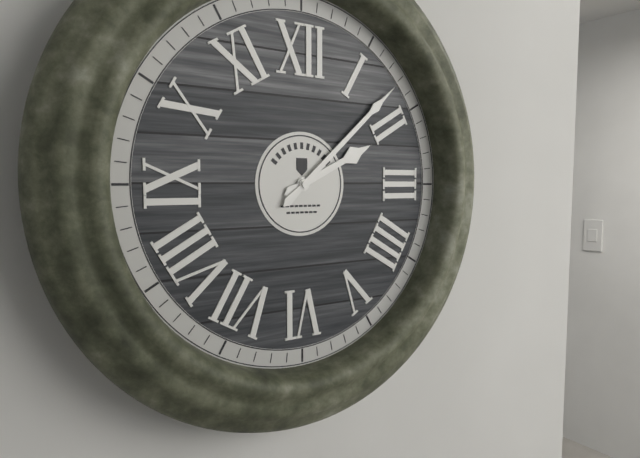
2:08
